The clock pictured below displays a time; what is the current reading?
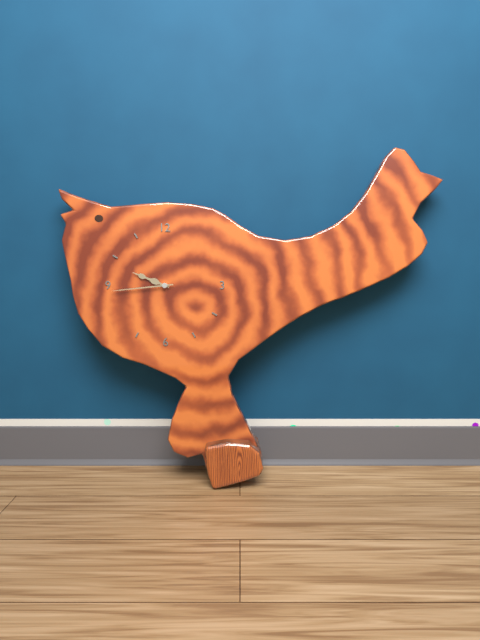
9:44
